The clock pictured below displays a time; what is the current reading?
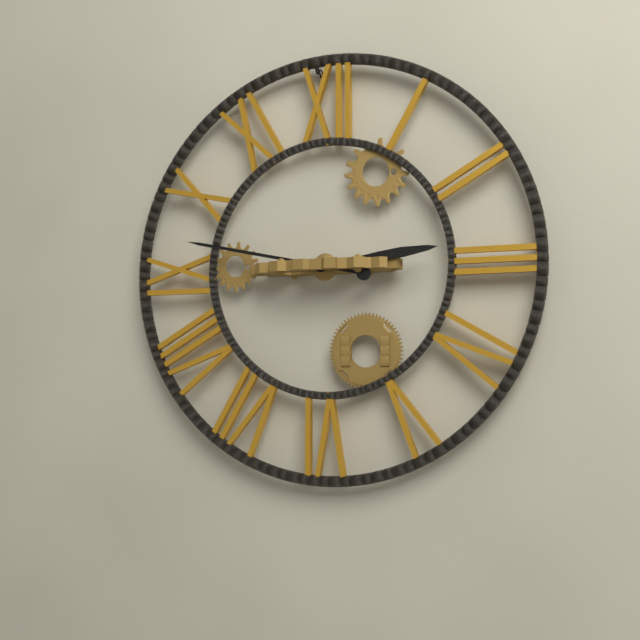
2:47
